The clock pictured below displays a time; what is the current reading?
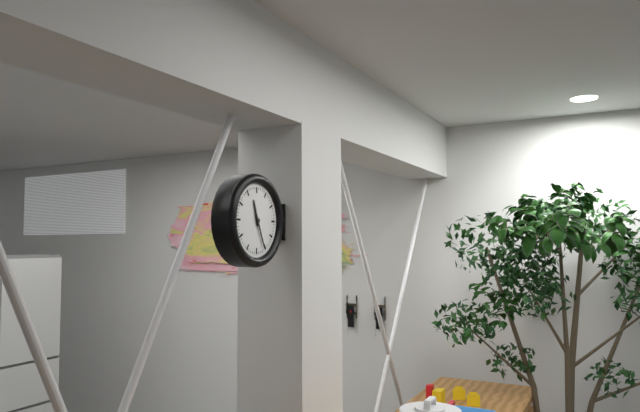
11:26
